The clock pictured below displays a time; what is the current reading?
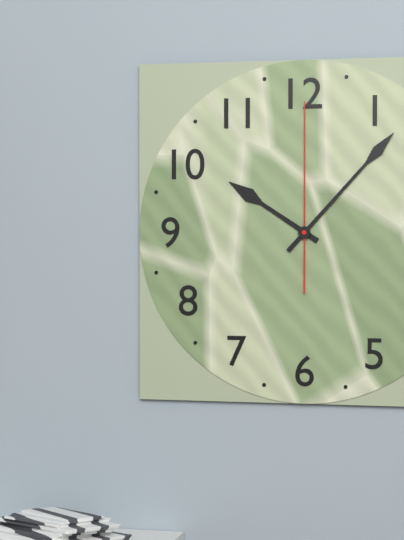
10:07:00
